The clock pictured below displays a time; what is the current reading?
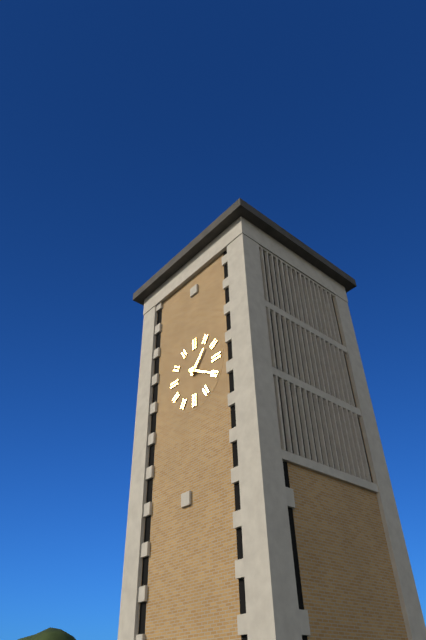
1:20
